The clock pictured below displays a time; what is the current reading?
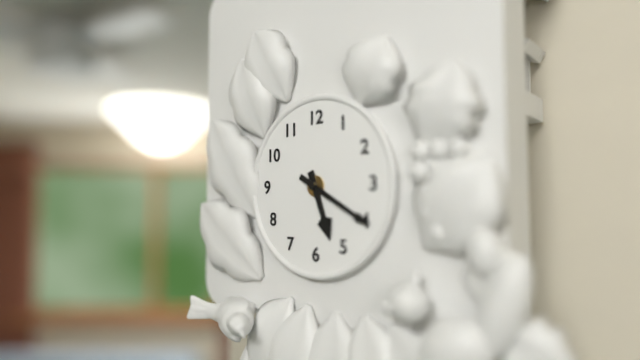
5:20
